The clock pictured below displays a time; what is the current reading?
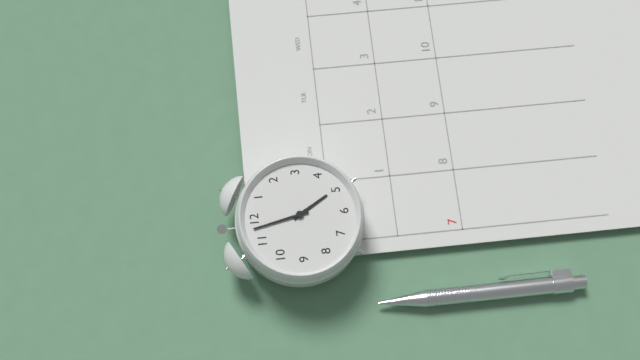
4:58
